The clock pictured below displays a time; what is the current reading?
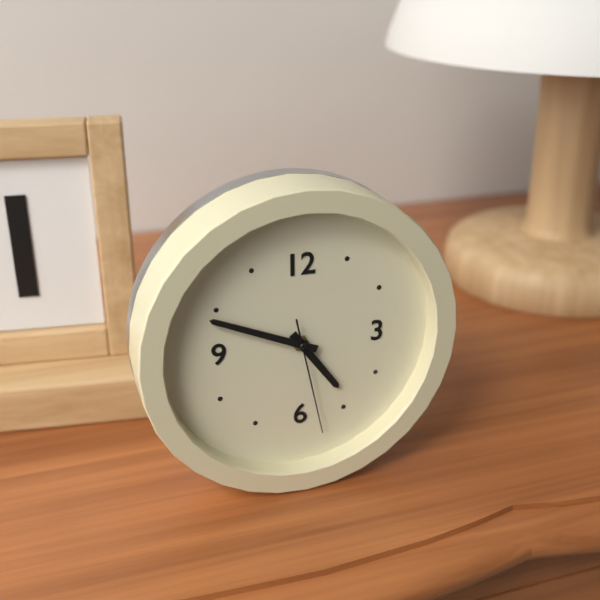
4:49:28
